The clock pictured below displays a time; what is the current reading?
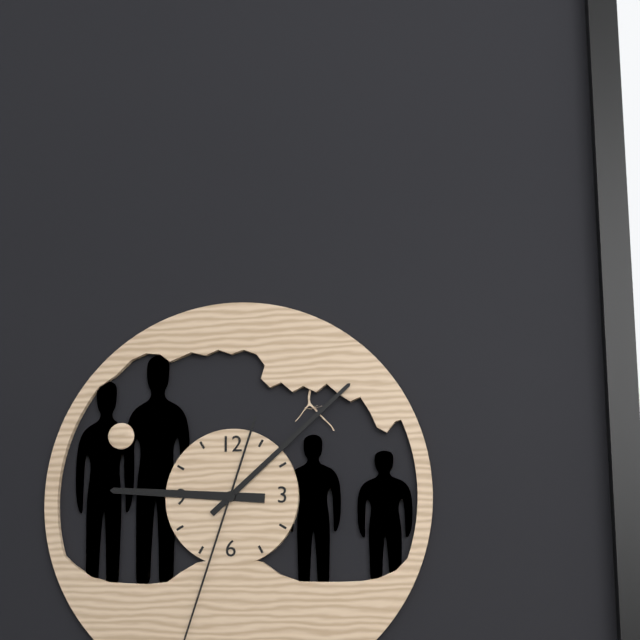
9:08
